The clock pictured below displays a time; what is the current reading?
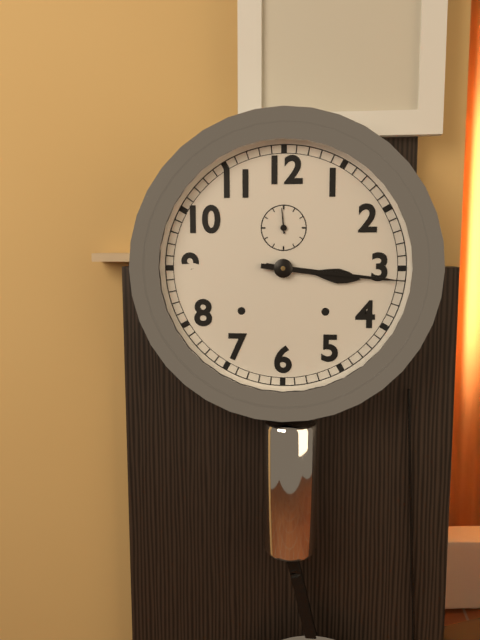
3:16
